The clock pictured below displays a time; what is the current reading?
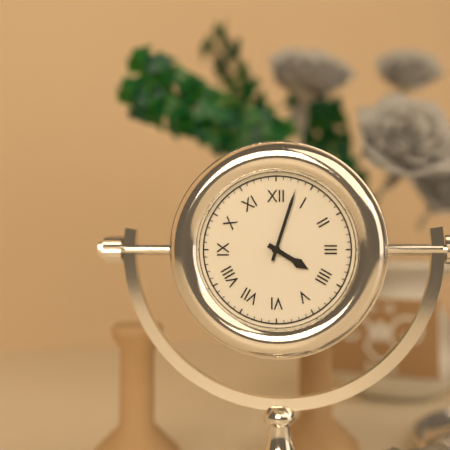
4:03
